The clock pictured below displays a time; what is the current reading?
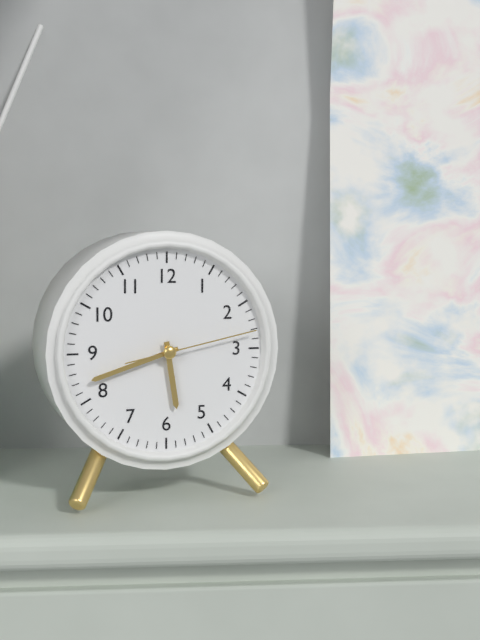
5:42:13
